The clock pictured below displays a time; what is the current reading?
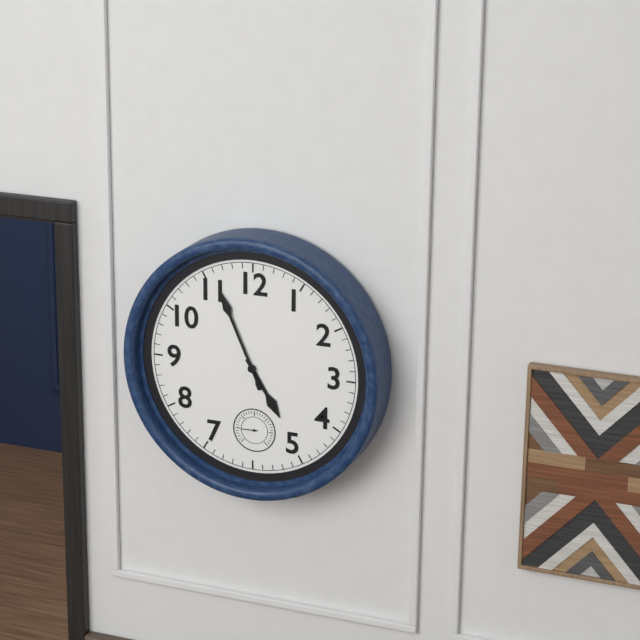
4:56
